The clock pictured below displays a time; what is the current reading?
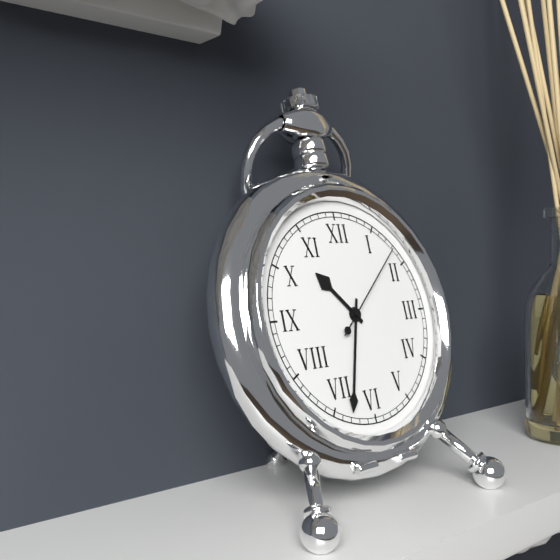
10:33:08
